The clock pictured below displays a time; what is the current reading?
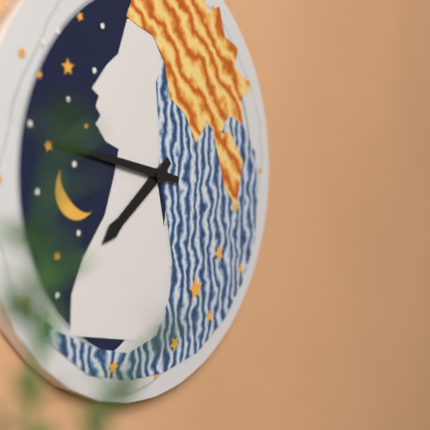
7:47
